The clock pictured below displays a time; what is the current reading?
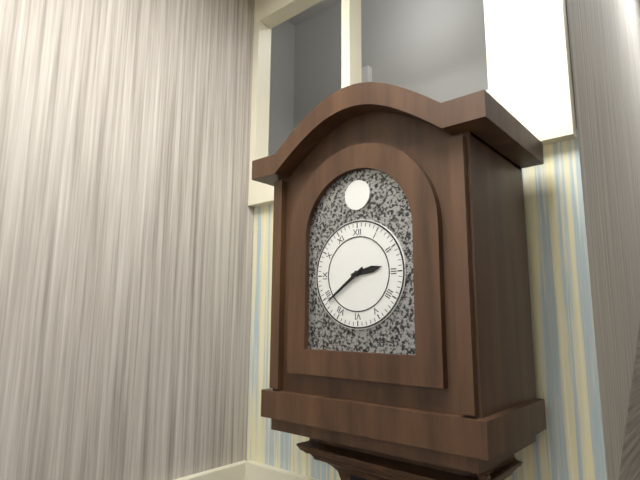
2:39
